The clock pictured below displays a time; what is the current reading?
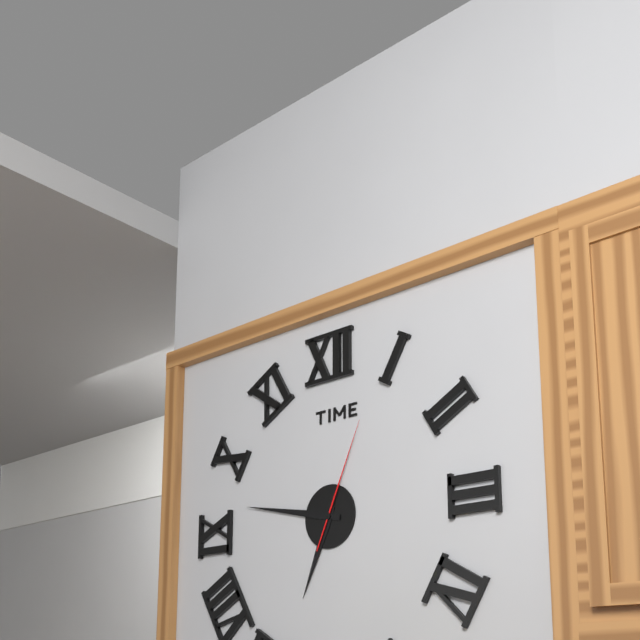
6:47:04
